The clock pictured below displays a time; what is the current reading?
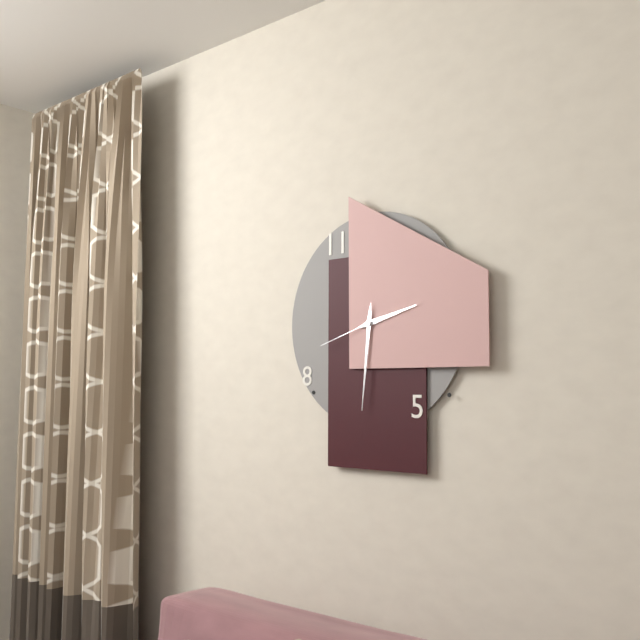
2:31:42
